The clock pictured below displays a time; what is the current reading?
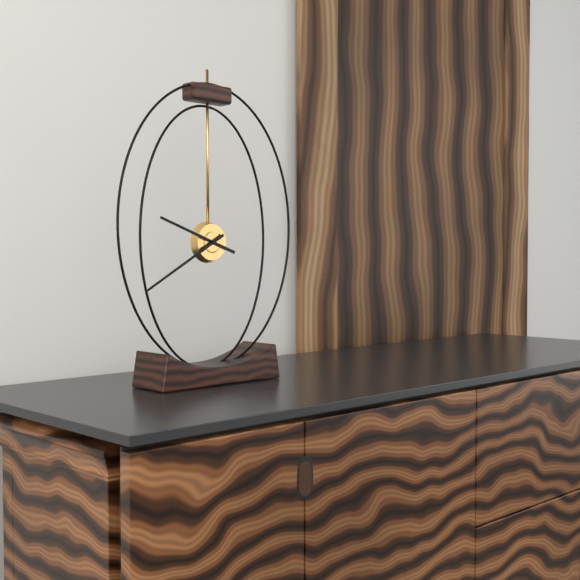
9:40
